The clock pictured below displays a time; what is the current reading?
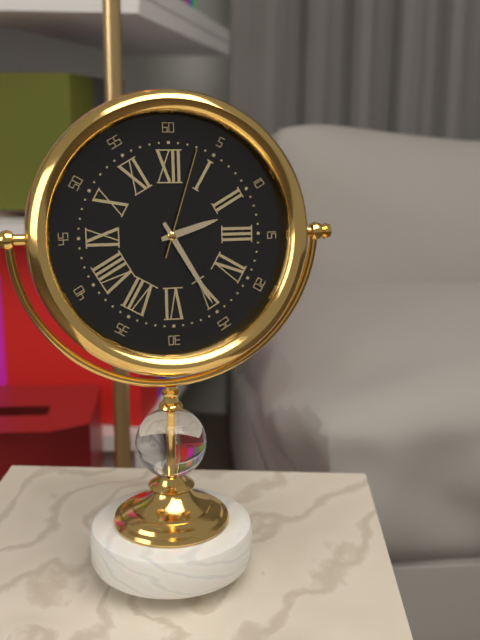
2:25:03
